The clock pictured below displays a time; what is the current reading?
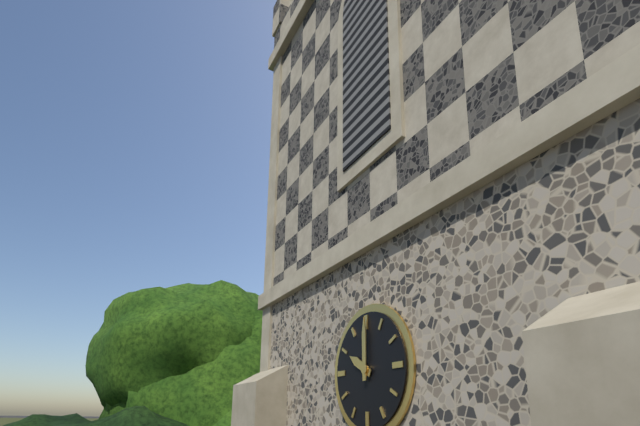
10:00
